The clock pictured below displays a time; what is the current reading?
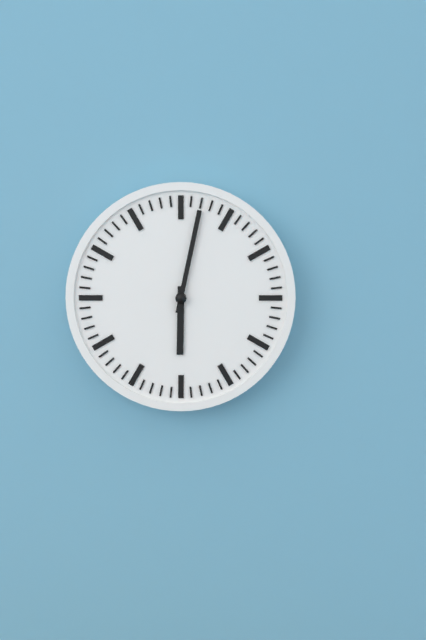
6:02
